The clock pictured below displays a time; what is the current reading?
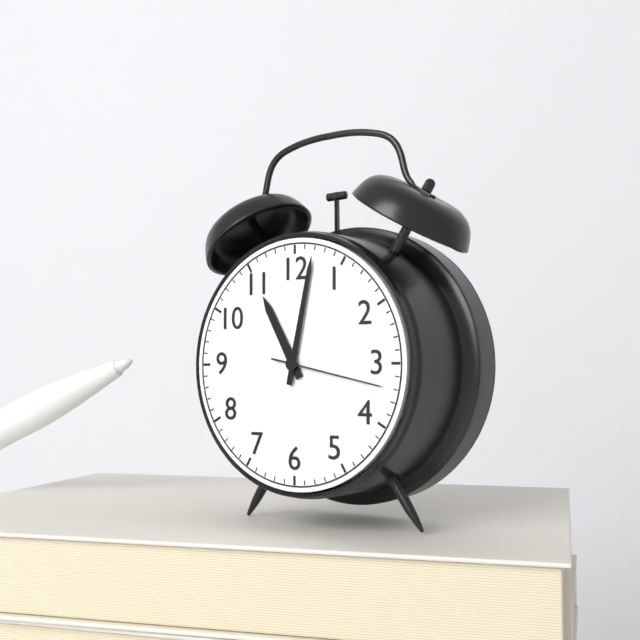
11:02:17
